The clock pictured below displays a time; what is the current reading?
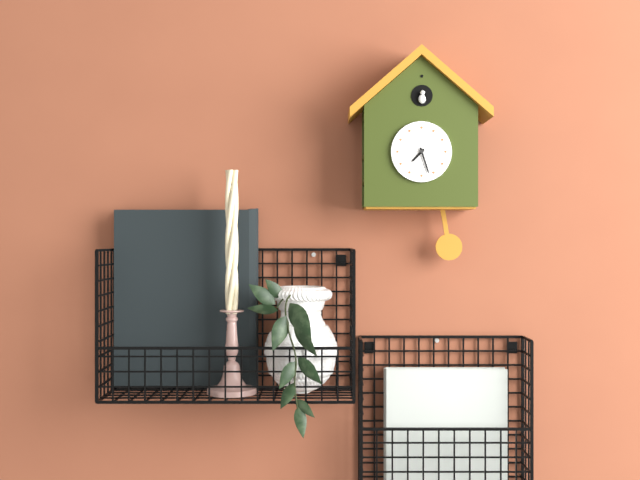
7:27
